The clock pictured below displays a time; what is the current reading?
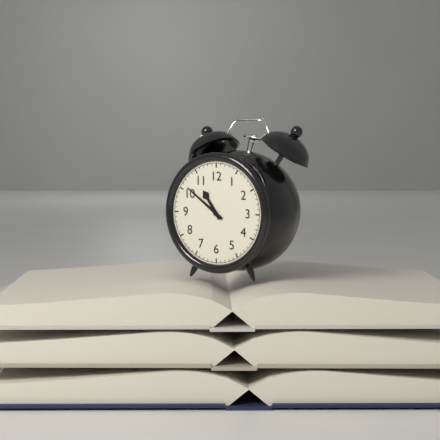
10:51
